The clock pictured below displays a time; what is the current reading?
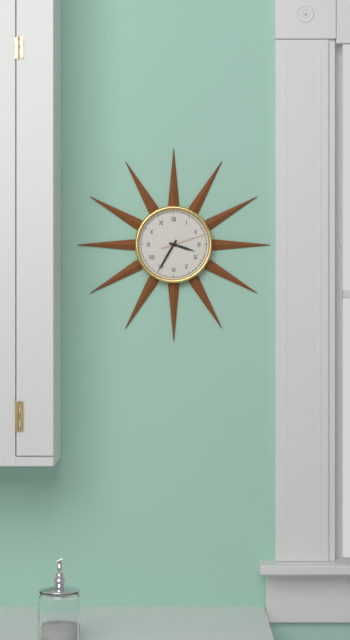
3:35
